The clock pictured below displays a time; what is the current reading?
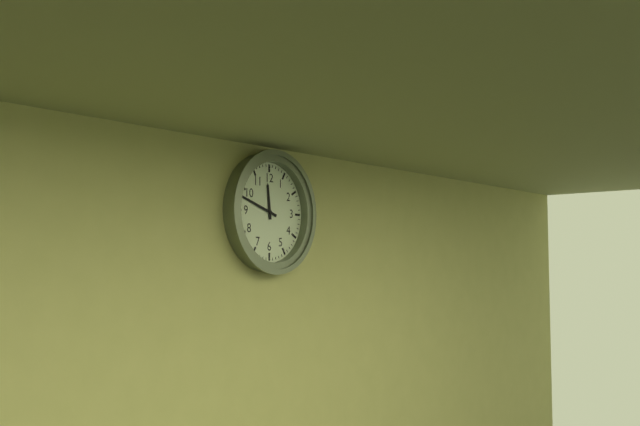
11:48
